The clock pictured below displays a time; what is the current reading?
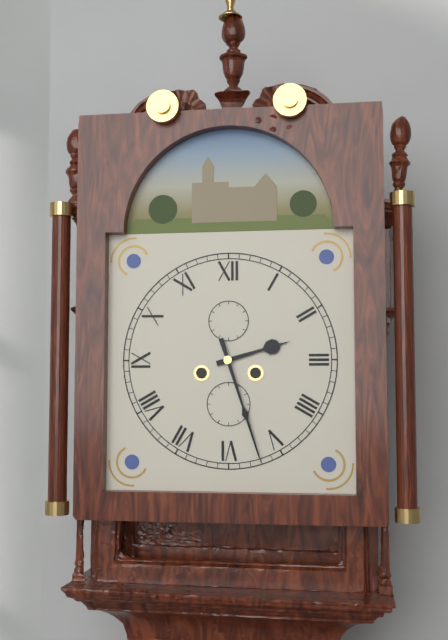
2:27
